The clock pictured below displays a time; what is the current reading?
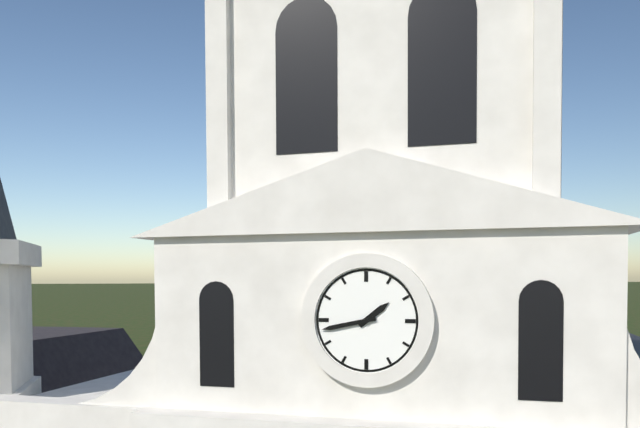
1:43
